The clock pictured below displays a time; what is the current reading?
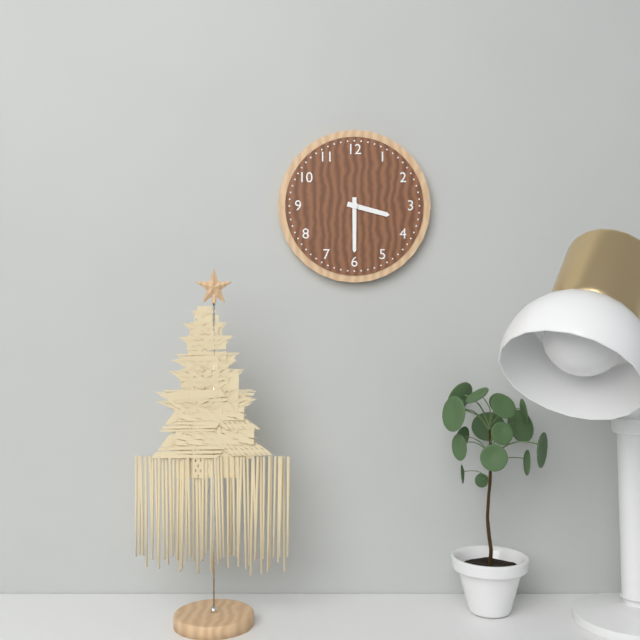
3:30
